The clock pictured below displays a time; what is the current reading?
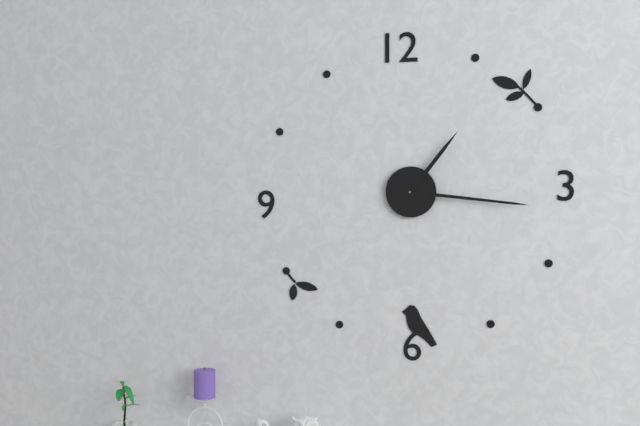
1:16
